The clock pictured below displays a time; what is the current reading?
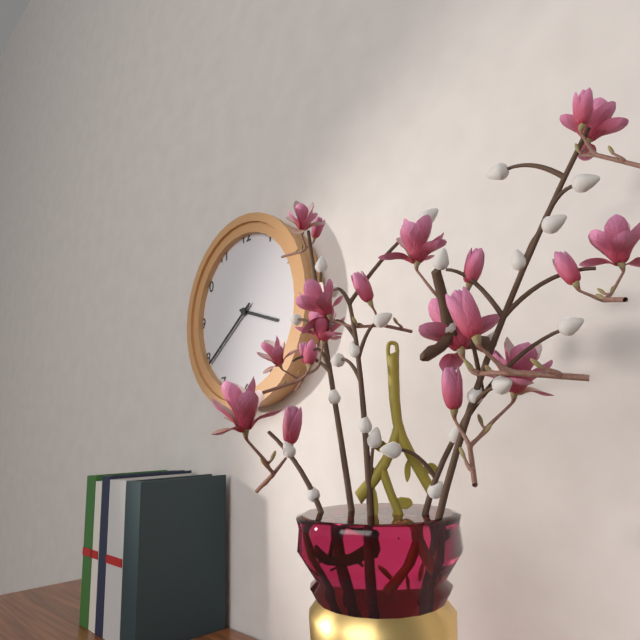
3:39
